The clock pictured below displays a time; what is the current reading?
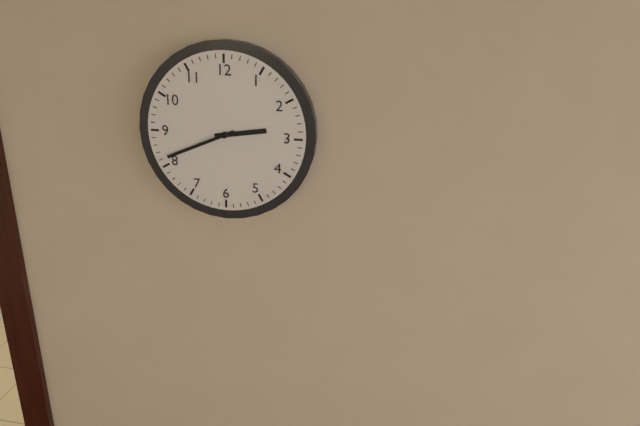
2:41
